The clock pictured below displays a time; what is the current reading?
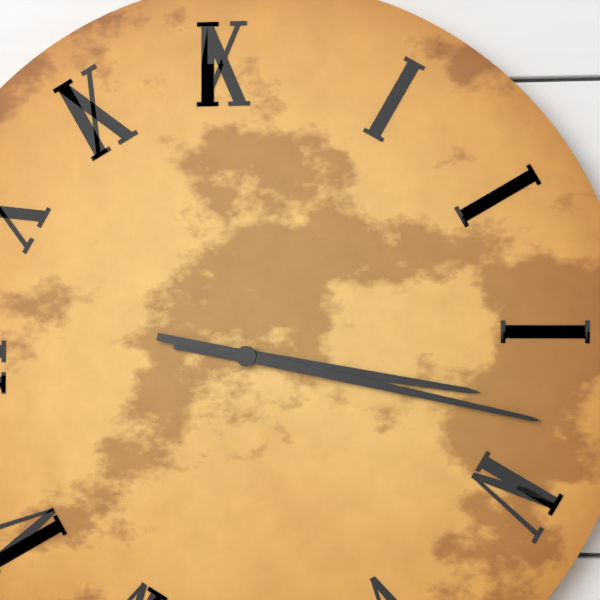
3:17
